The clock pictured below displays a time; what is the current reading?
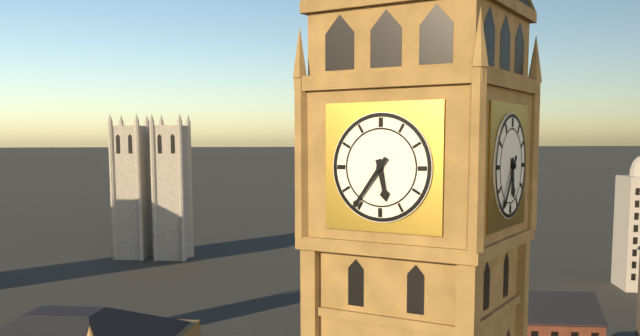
5:36
